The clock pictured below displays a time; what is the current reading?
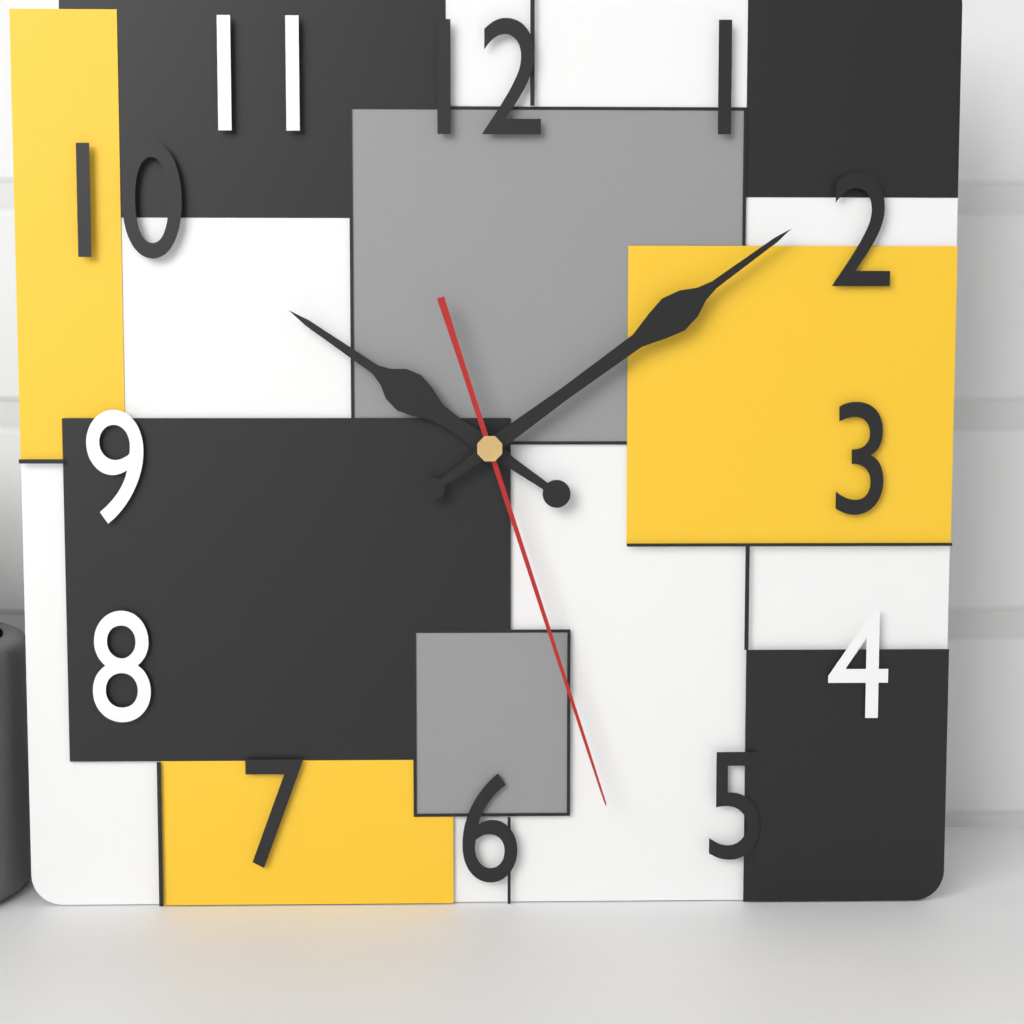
10:09:27
